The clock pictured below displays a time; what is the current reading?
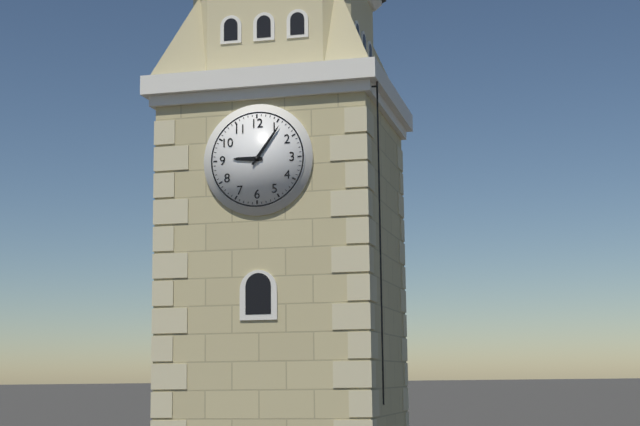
9:06
